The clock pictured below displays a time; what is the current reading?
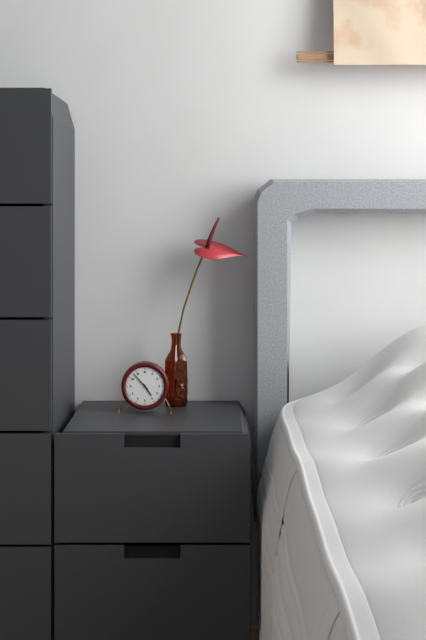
4:53
